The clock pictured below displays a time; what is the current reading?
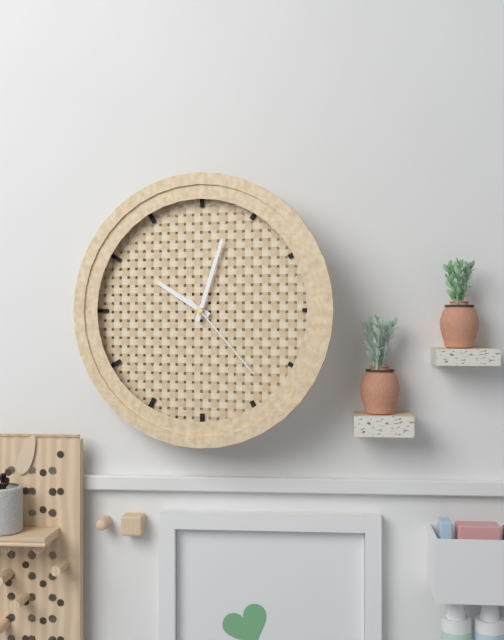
10:03:23
